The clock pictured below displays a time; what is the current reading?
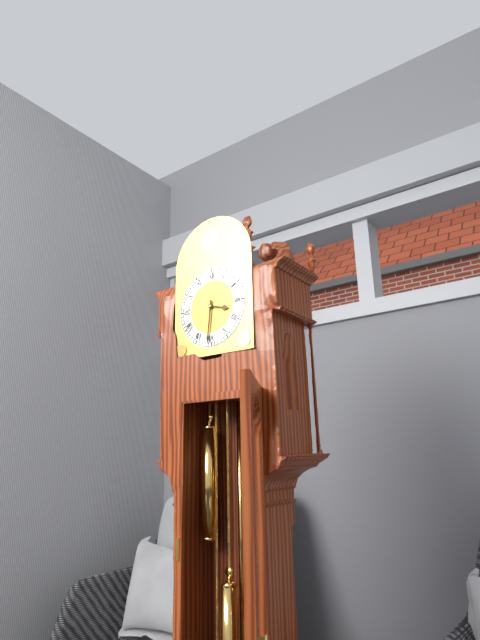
3:31
